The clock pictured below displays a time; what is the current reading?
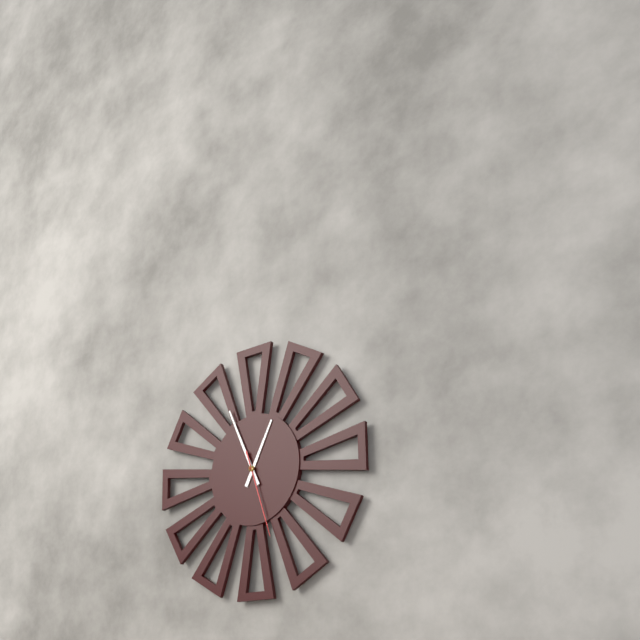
12:56:27
